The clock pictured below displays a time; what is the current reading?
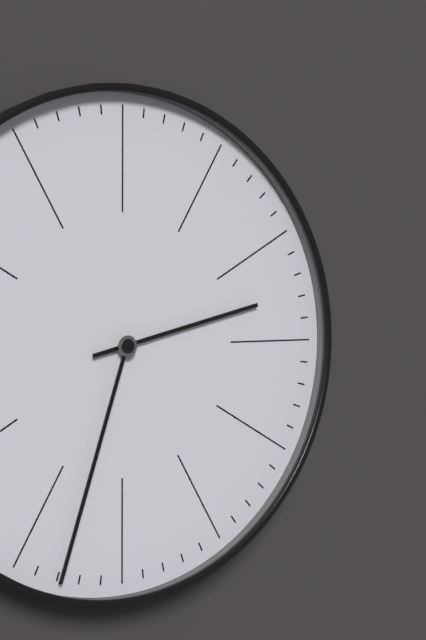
2:33
